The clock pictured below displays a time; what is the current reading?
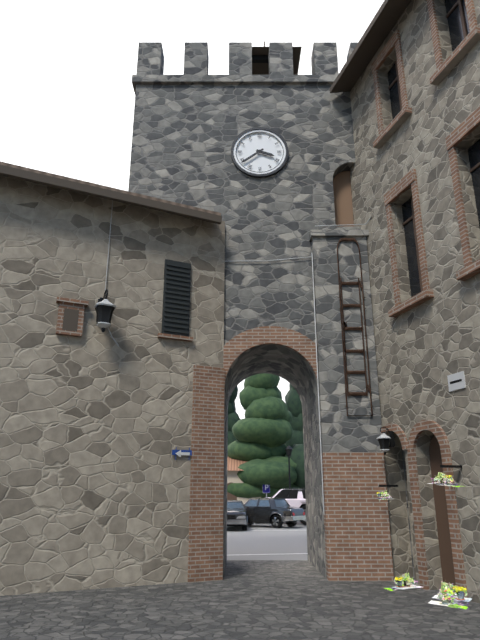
3:39
